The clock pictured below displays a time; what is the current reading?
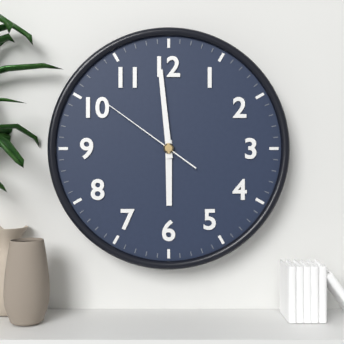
5:59:51
